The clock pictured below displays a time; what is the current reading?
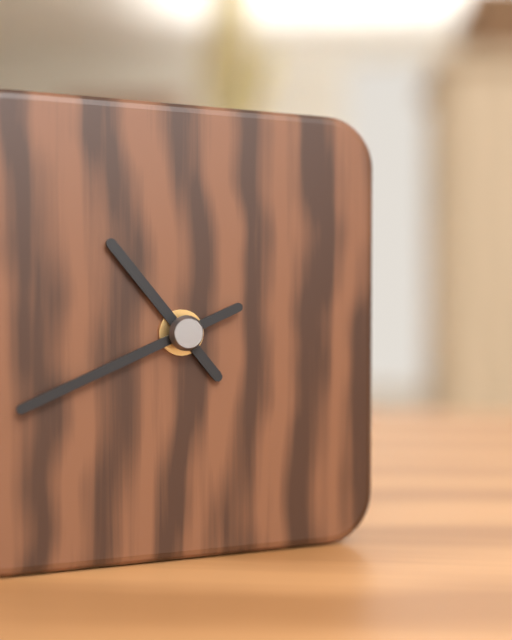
10:41
